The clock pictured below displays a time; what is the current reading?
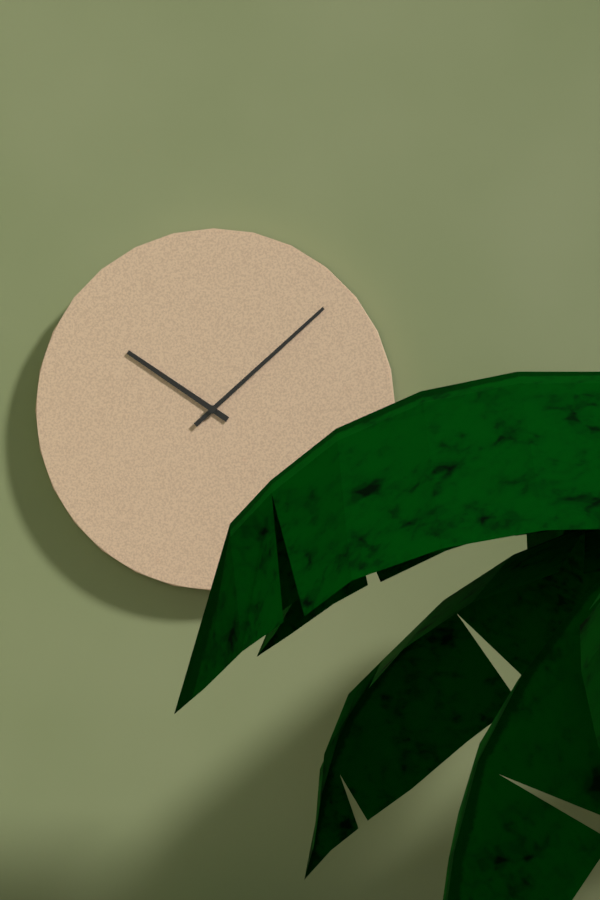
10:08
